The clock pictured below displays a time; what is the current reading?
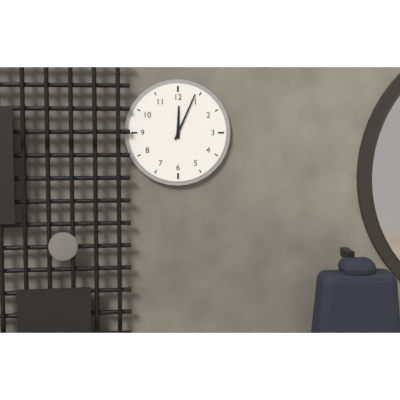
12:04
